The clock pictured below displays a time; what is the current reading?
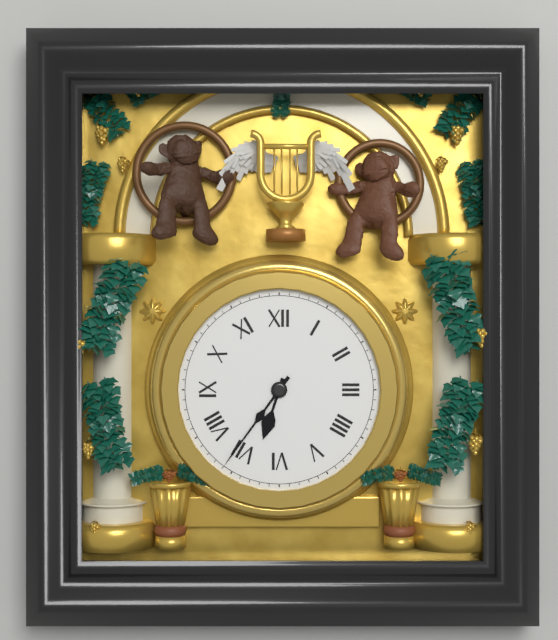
6:36
